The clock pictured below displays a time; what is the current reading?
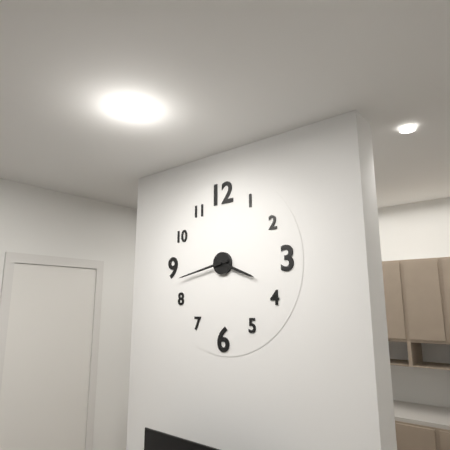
3:43
